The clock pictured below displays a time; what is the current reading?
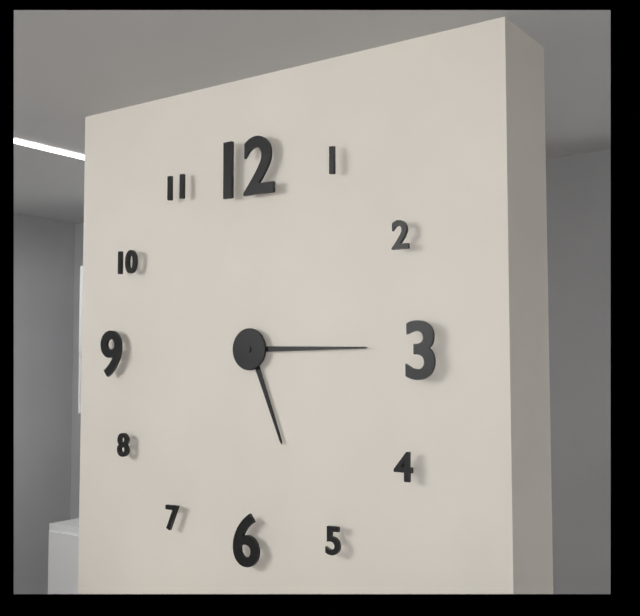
5:15
